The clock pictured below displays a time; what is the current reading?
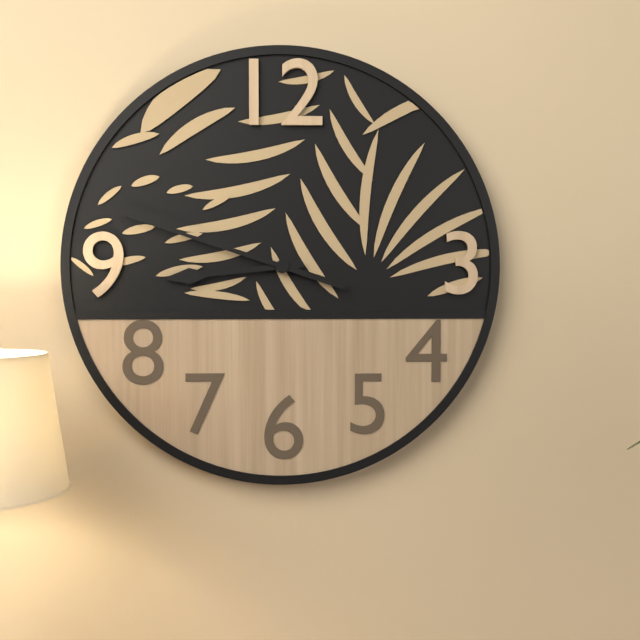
8:48
